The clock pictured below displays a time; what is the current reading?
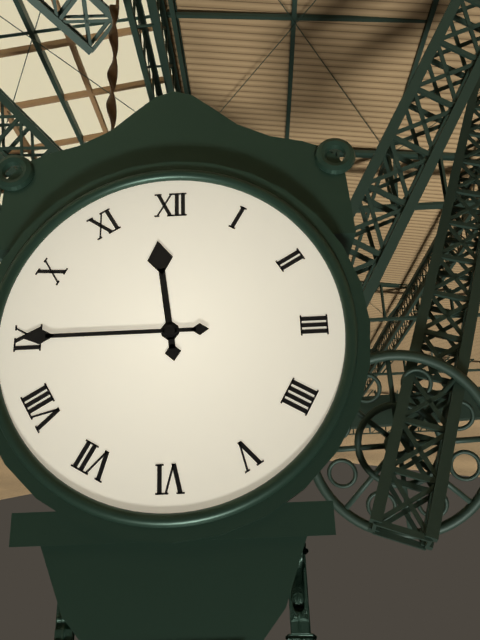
11:45
